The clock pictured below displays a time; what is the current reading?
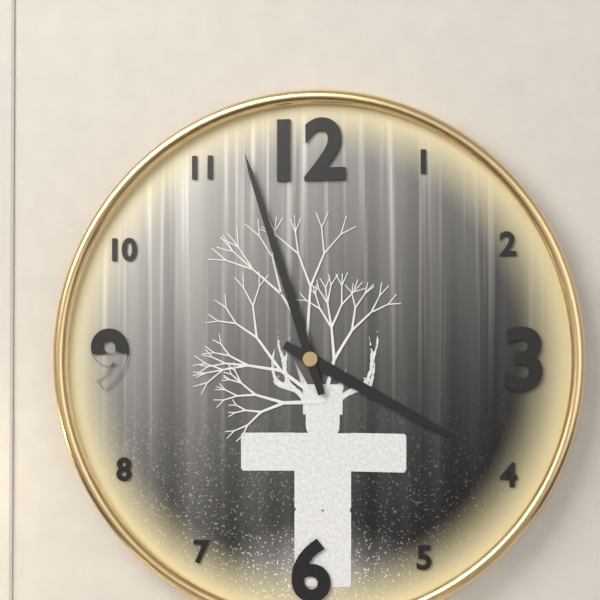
3:57
